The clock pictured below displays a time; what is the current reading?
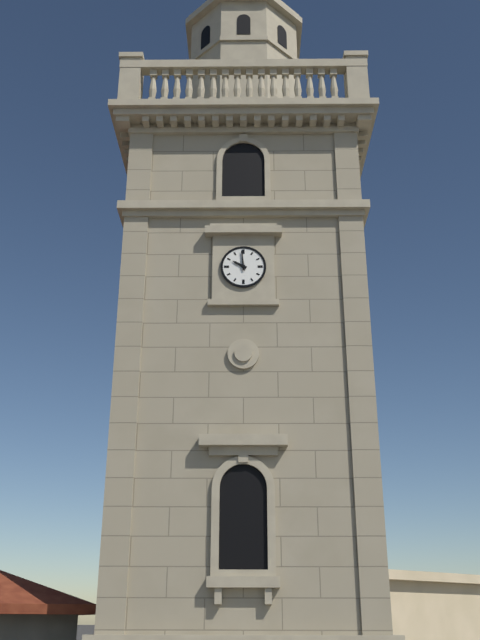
9:59
